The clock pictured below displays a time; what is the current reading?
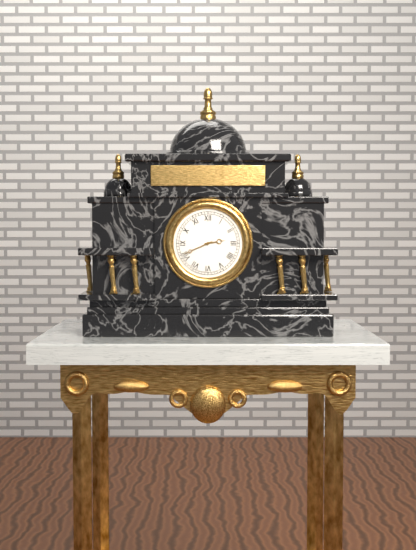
2:41
